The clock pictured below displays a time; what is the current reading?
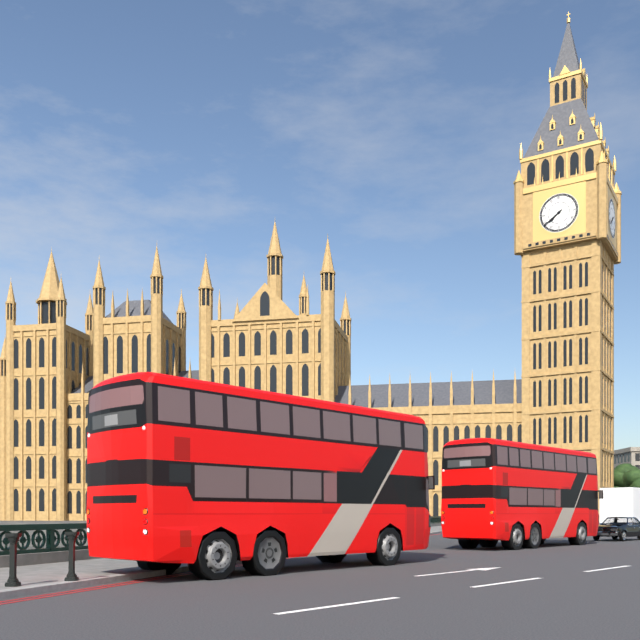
7:39
